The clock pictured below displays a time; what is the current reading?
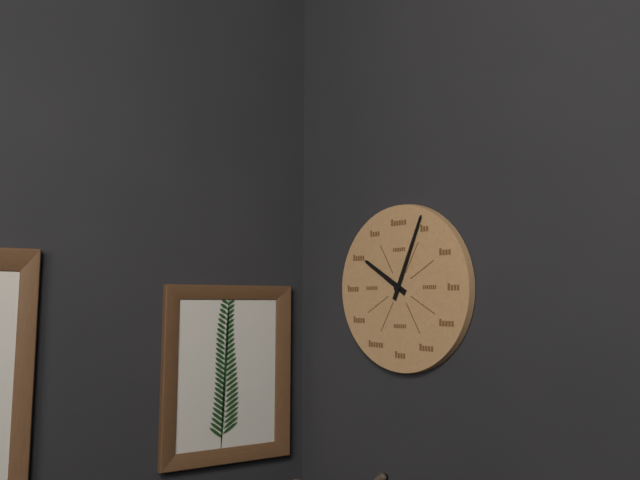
10:04
